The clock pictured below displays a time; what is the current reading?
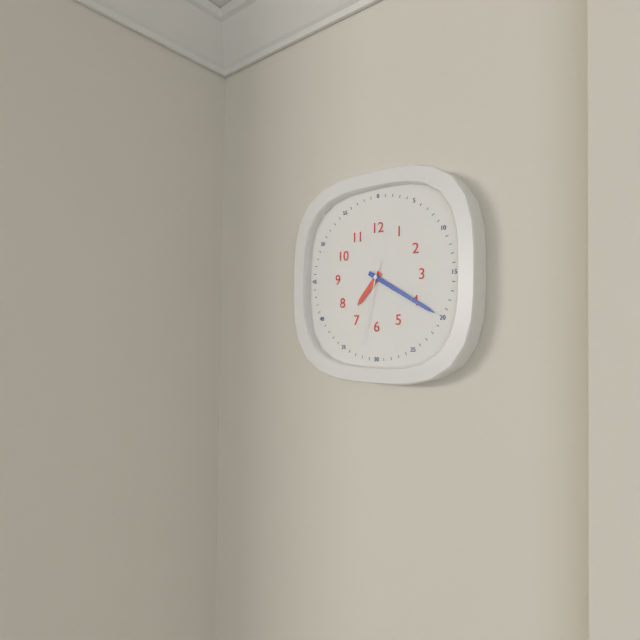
7:20:32
